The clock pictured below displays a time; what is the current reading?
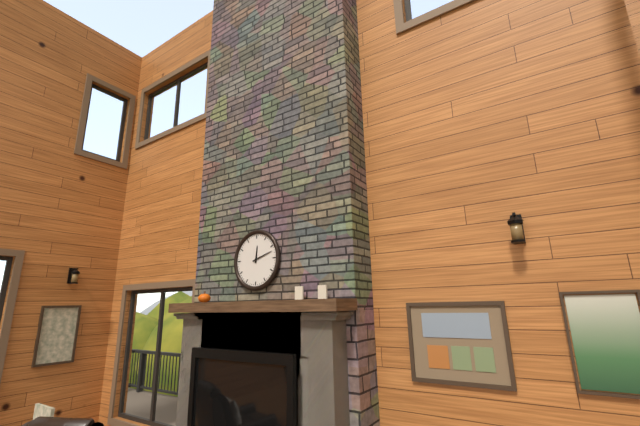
12:12
